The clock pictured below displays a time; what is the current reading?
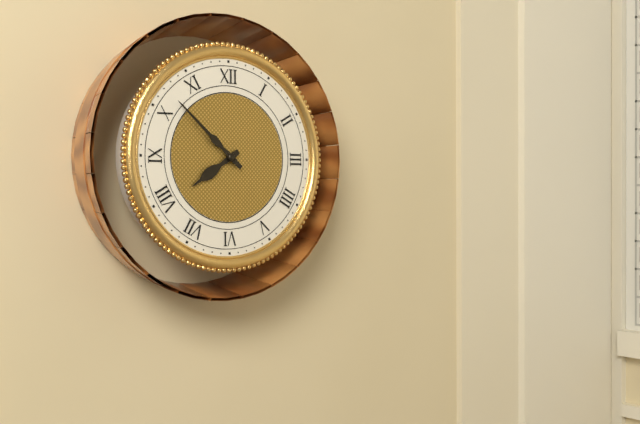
7:52
